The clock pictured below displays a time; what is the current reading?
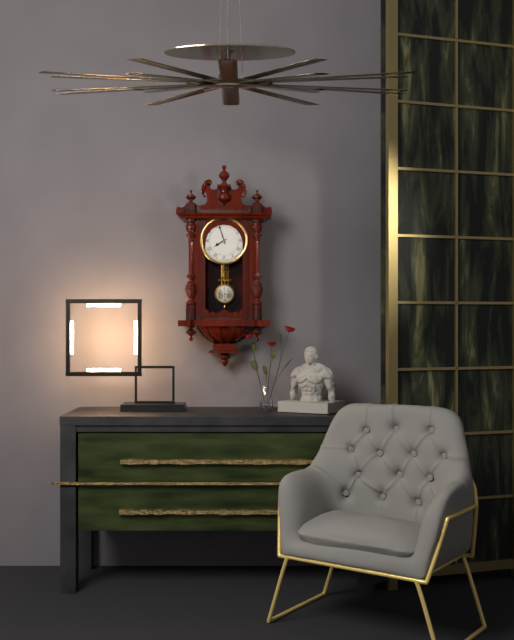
7:57
